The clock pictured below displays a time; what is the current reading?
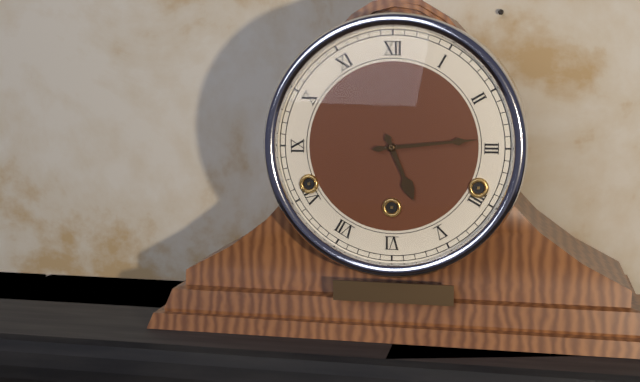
5:14
